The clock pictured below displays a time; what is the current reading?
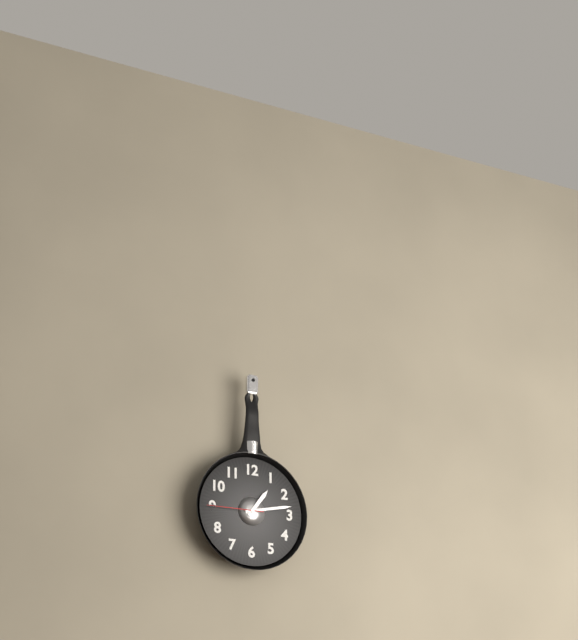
1:13:45
